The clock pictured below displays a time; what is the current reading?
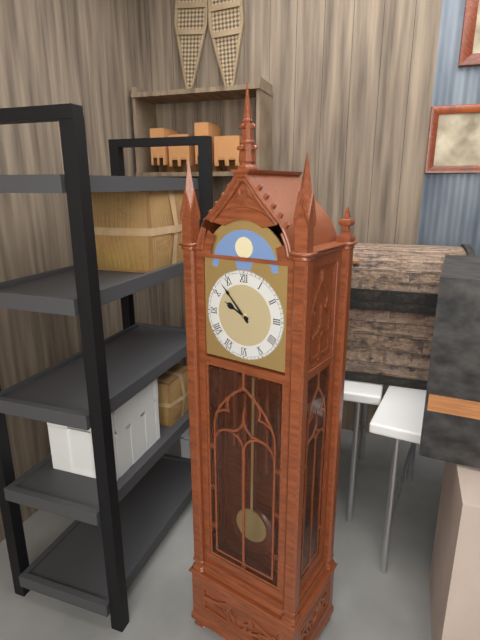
9:53
